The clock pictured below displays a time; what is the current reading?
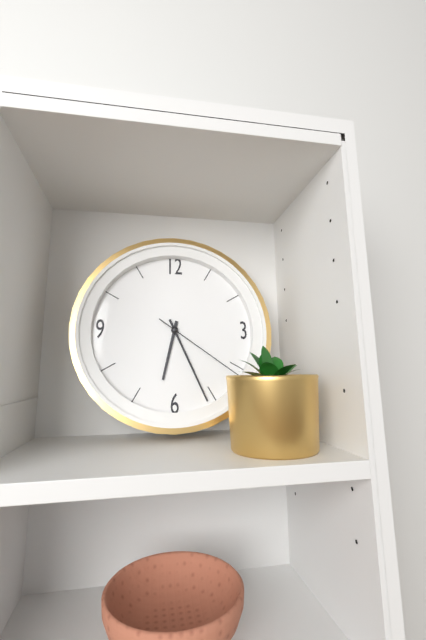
6:26:21
